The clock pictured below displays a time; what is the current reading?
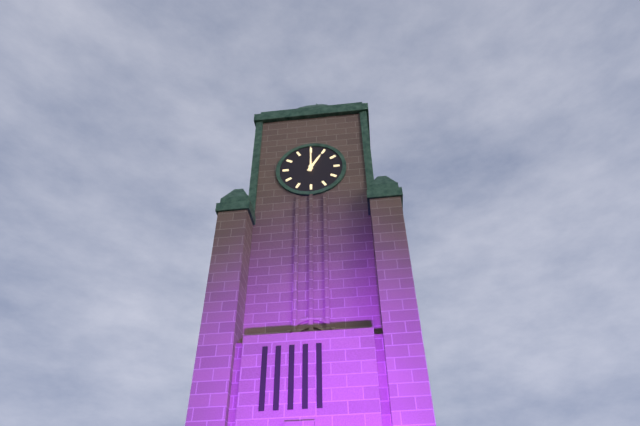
1:00
